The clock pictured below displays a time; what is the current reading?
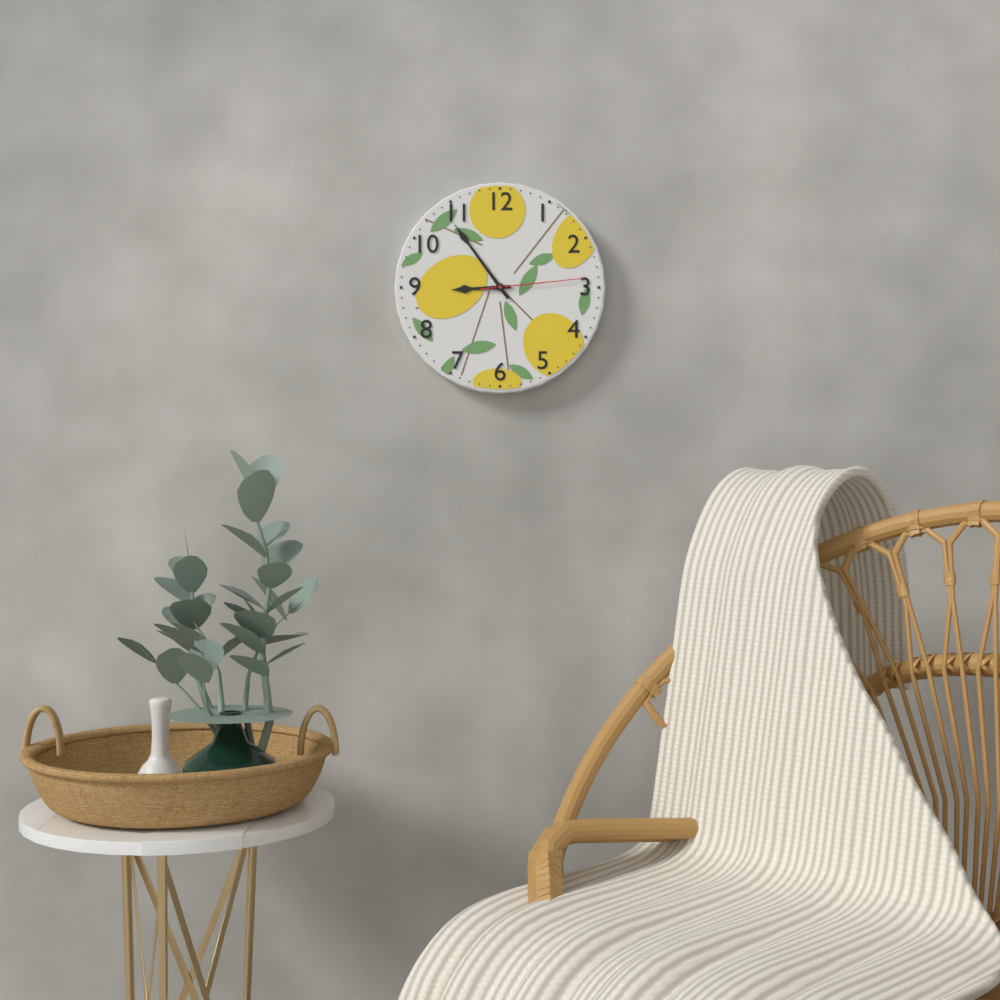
8:54:14
